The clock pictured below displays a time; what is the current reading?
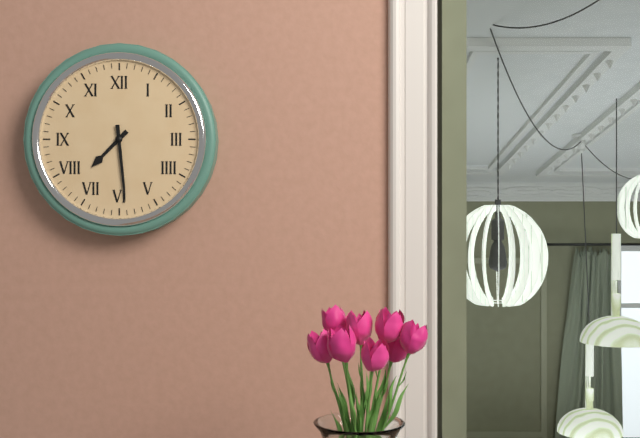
7:29
